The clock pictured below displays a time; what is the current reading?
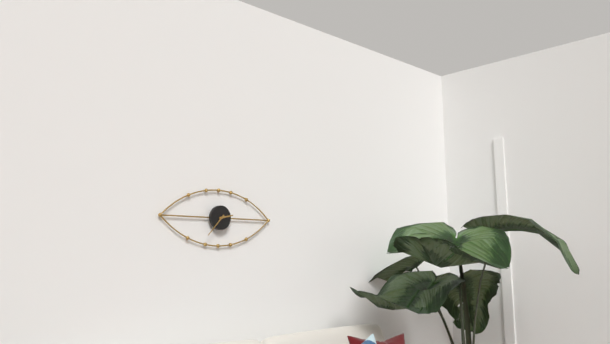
2:37
